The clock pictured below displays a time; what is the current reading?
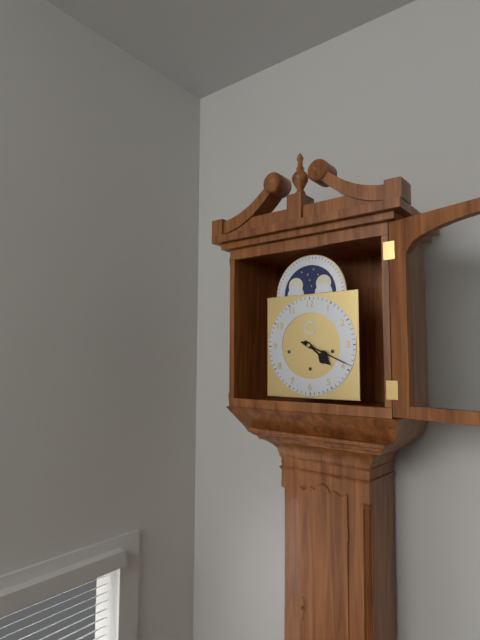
4:19
